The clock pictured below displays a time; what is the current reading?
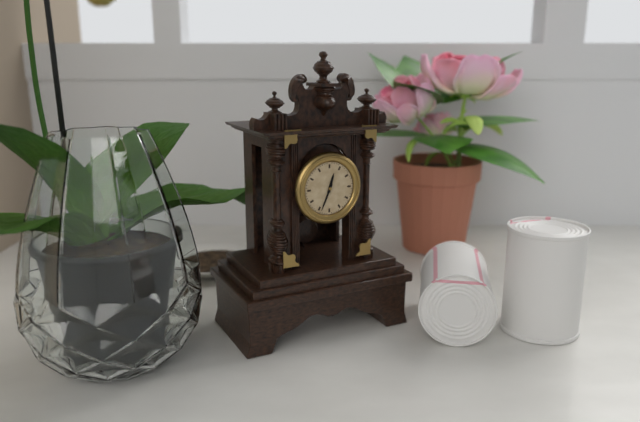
12:34
